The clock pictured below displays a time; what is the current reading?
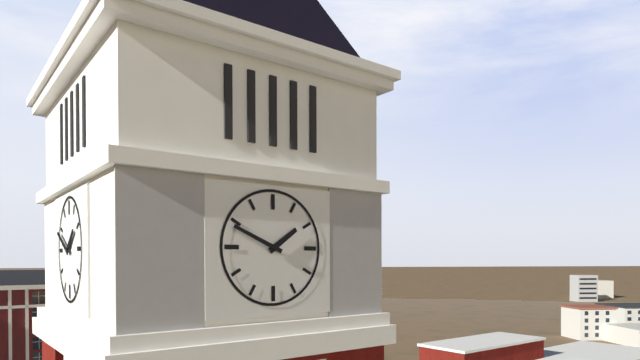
1:49
